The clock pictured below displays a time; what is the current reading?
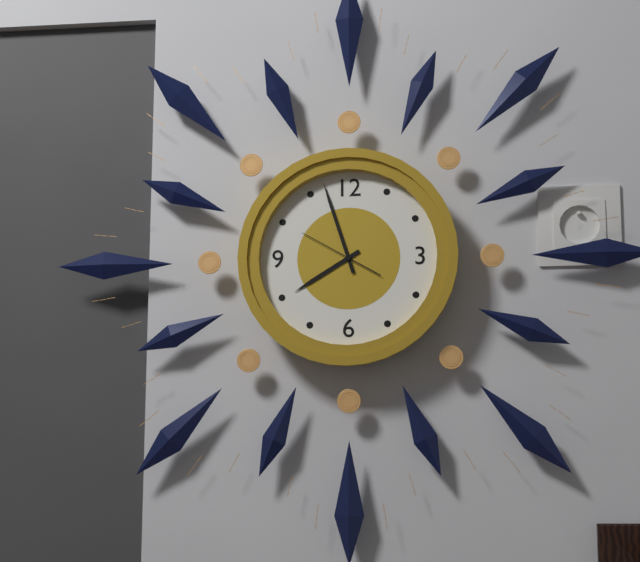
7:57:50
